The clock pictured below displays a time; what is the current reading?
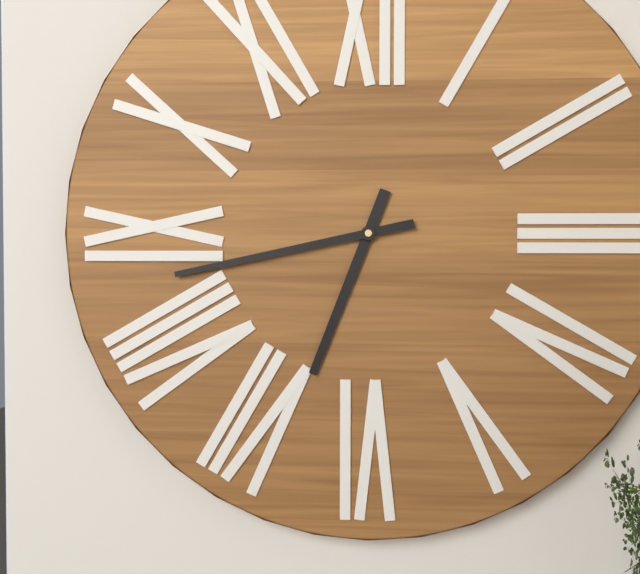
6:43
